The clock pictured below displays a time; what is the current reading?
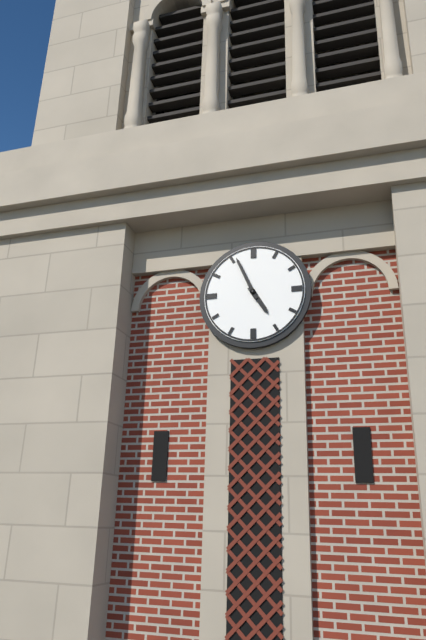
4:56
